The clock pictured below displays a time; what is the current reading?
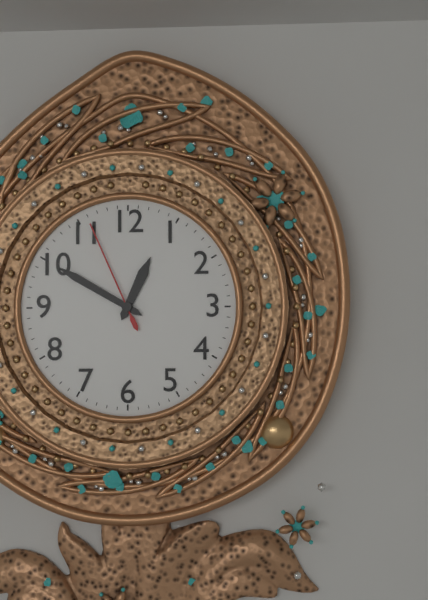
12:50:56
